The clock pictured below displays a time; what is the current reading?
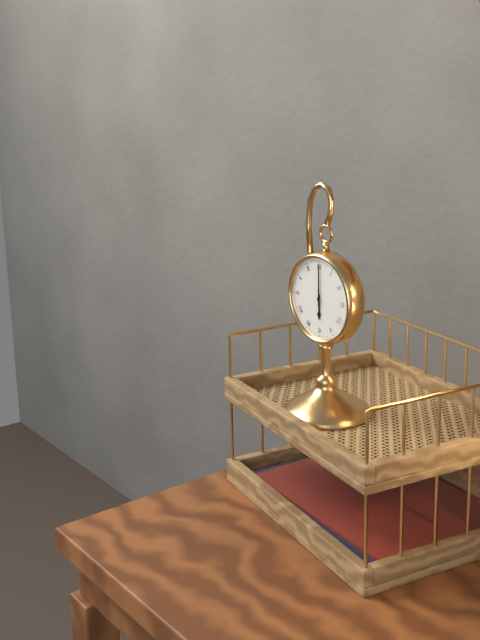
6:00
